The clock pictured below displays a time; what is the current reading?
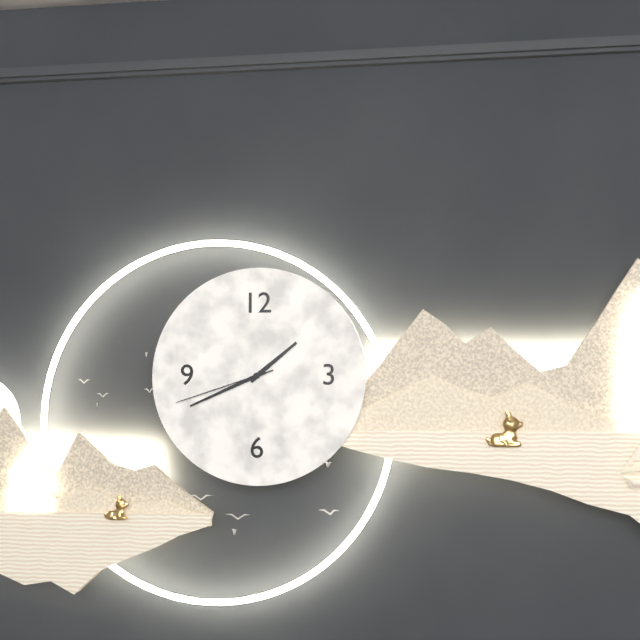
1:41:42
